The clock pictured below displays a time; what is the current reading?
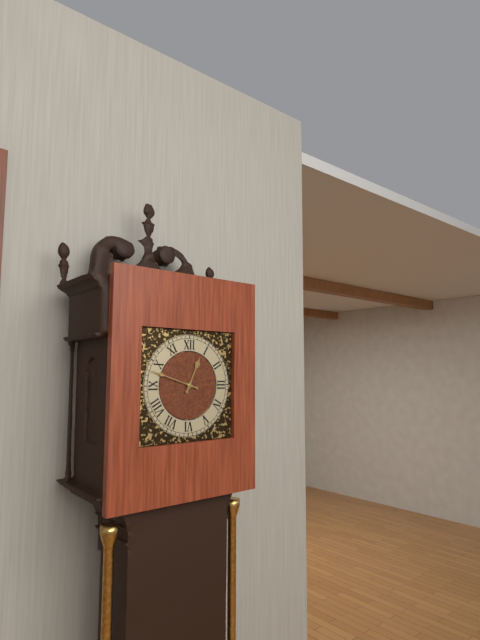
12:48
